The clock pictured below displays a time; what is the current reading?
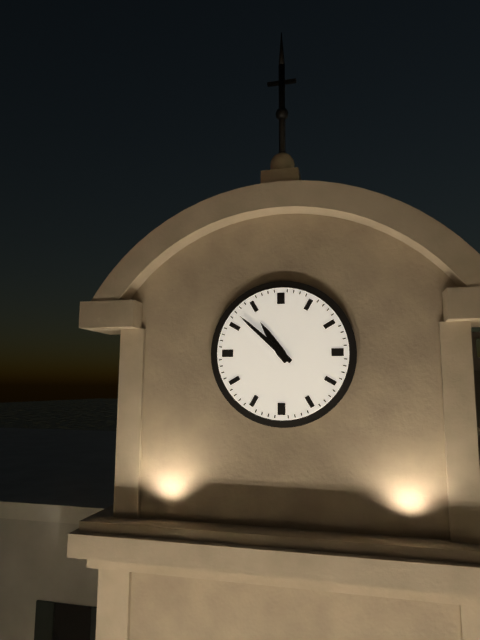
10:52
